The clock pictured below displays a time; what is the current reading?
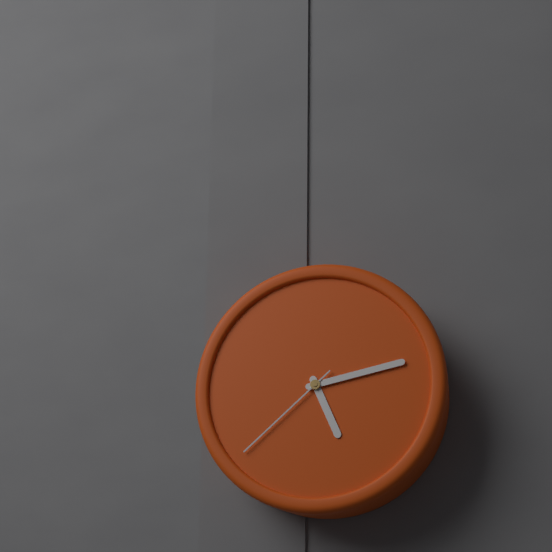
5:13:38
